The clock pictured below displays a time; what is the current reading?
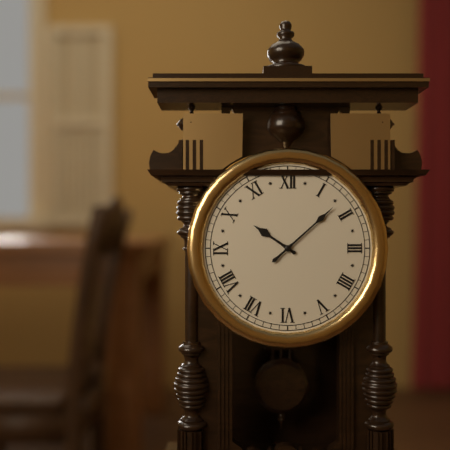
10:08
